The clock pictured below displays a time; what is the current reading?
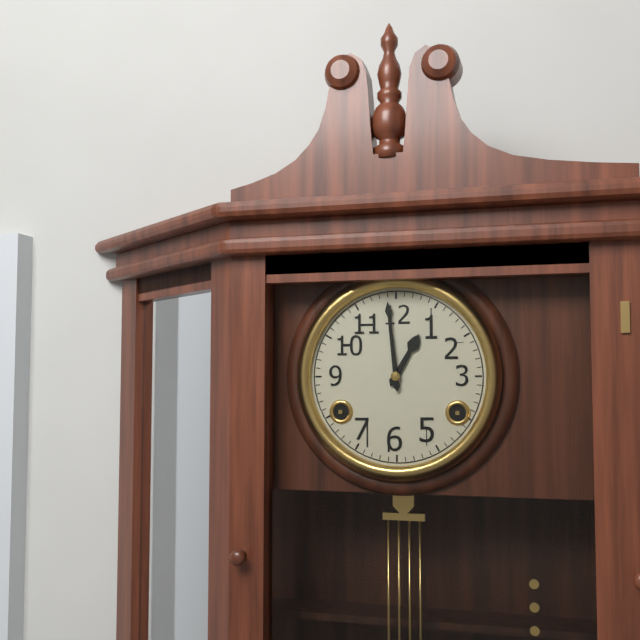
12:59
